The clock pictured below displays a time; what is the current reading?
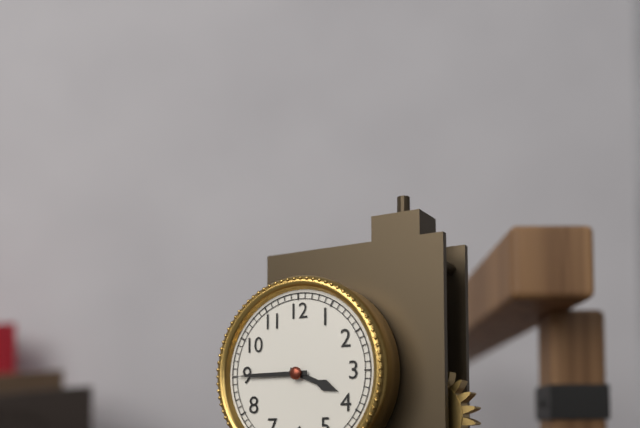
3:45
